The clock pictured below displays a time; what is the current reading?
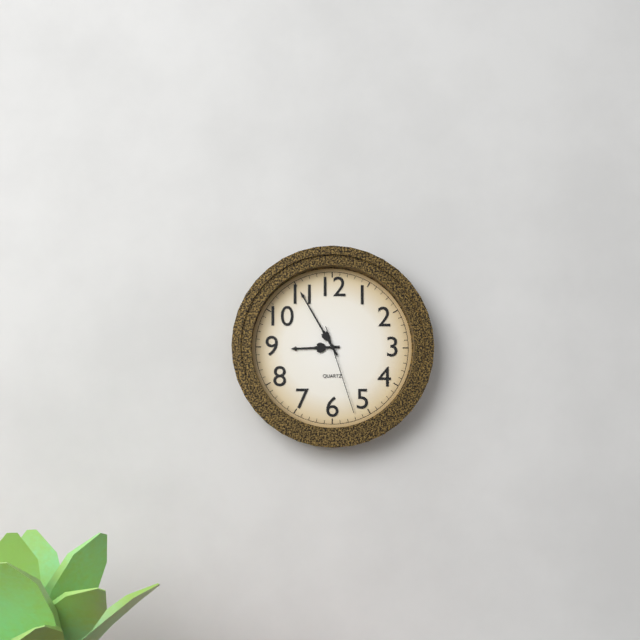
8:55:27
